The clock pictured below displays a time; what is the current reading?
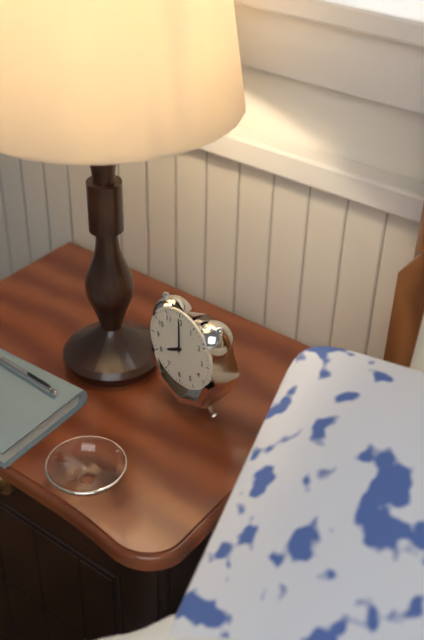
8:00
